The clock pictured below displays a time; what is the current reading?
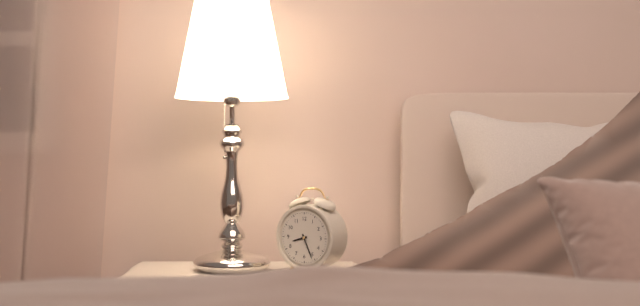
8:26
